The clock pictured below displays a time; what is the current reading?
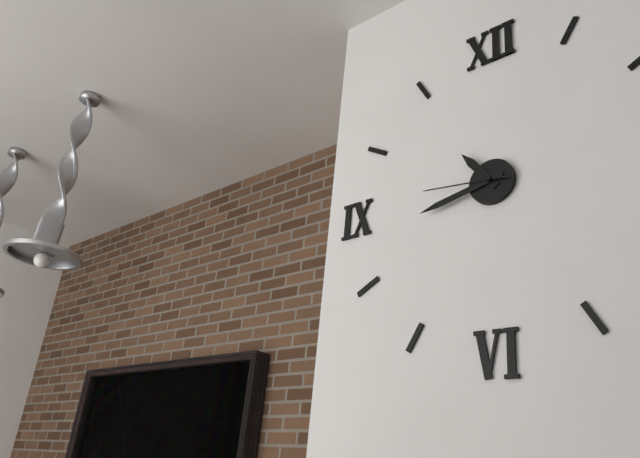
10:43:46
